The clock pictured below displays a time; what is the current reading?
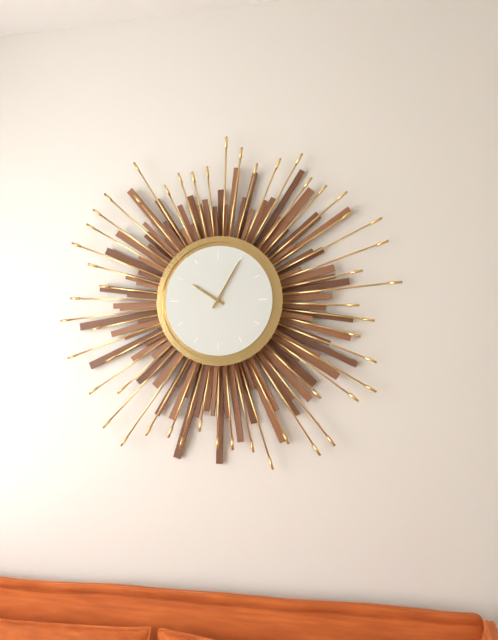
10:05
